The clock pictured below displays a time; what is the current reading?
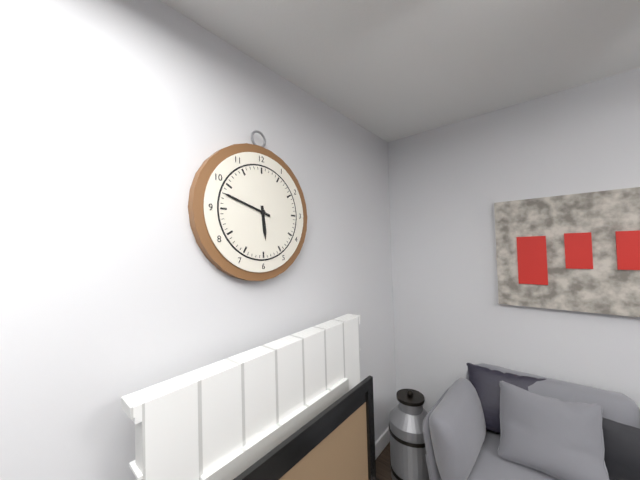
5:48
